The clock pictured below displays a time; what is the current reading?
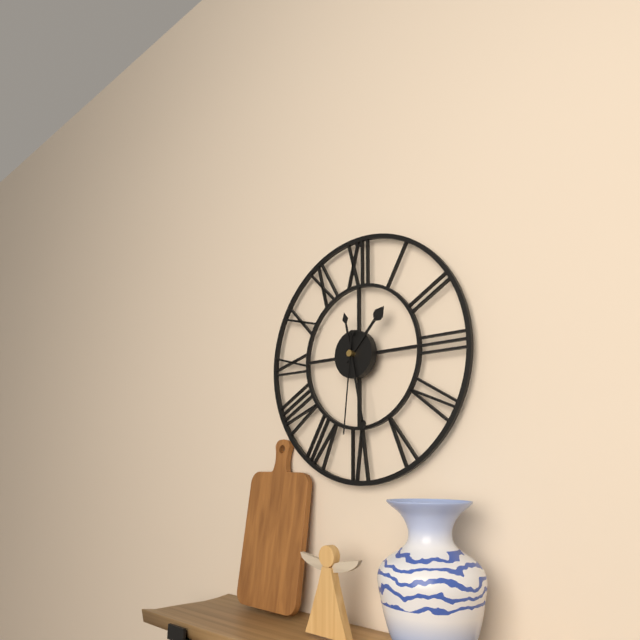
1:28:31
